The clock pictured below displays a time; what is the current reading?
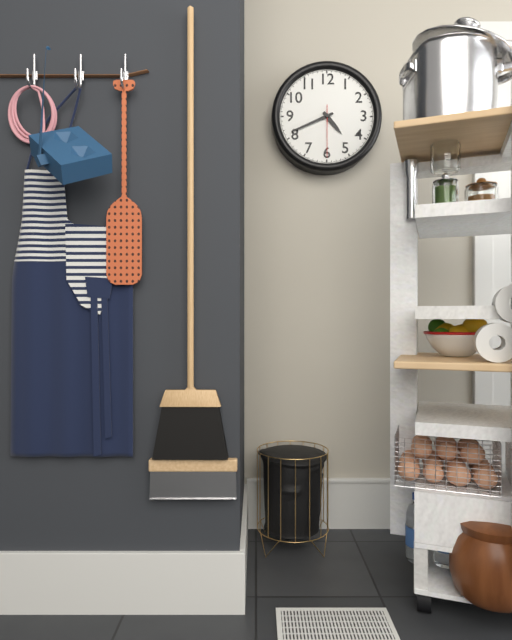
4:41:30
